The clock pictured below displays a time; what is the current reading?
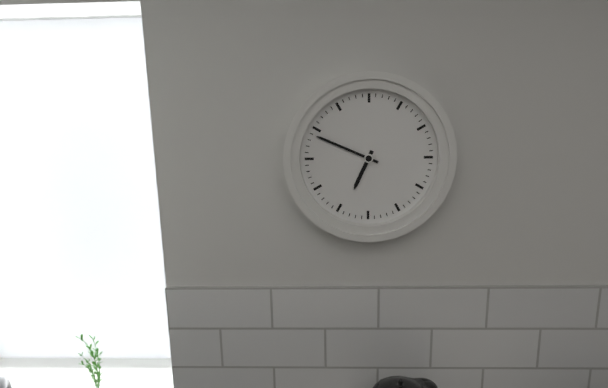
6:49
